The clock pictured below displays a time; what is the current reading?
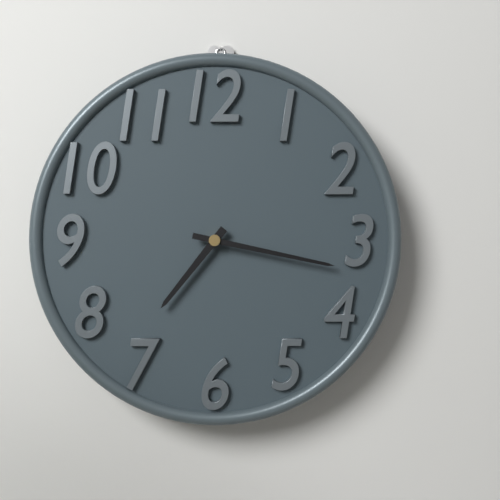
7:17
